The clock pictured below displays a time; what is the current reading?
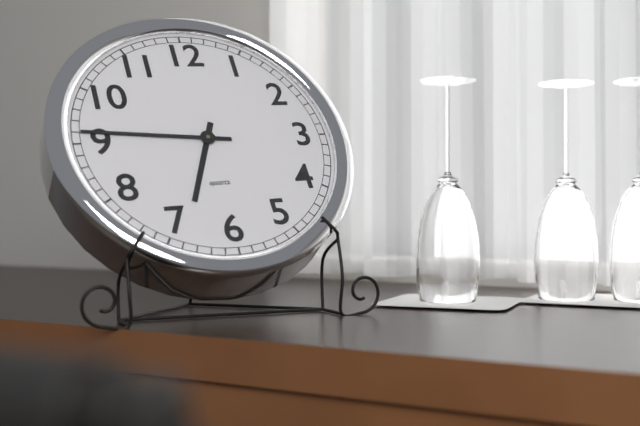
6:46
